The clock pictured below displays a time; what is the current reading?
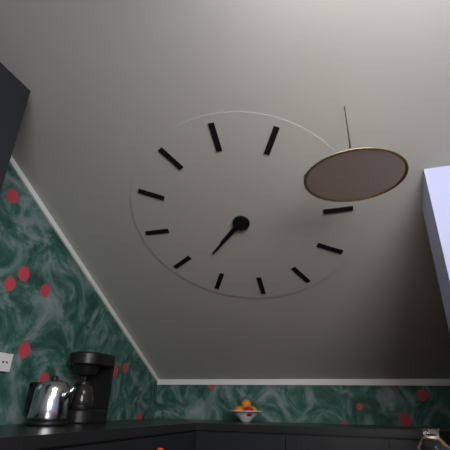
7:38
